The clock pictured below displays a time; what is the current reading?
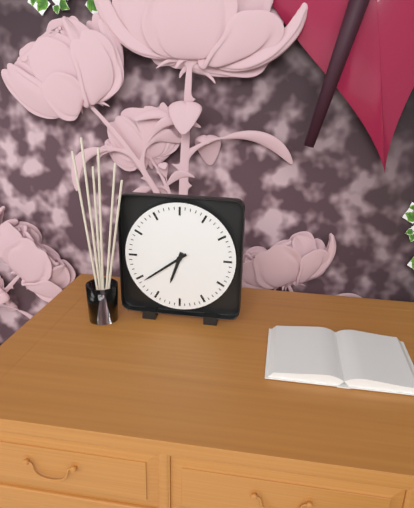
6:39
